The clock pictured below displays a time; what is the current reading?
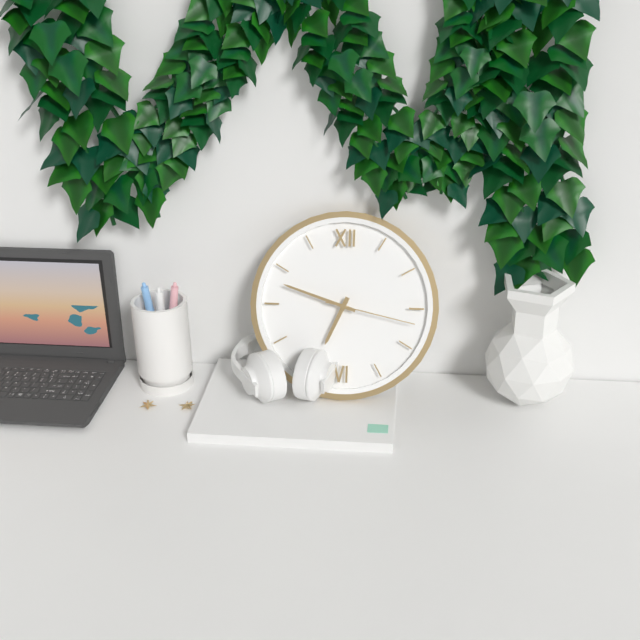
6:48:17
